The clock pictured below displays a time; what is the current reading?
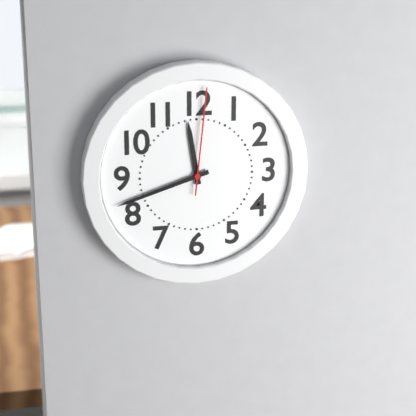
11:42:01
